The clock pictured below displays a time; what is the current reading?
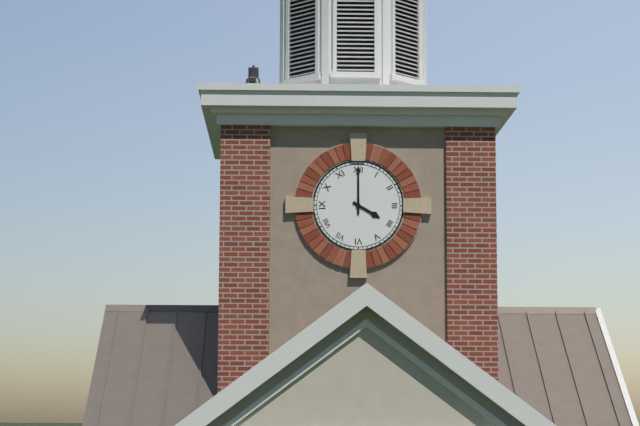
4:00
